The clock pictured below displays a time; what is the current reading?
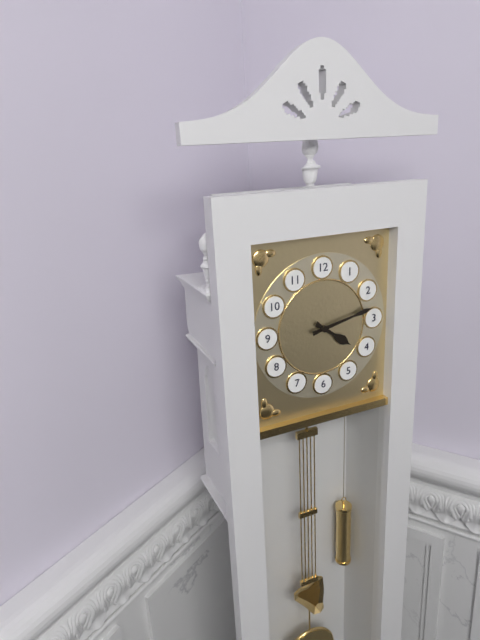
4:13
